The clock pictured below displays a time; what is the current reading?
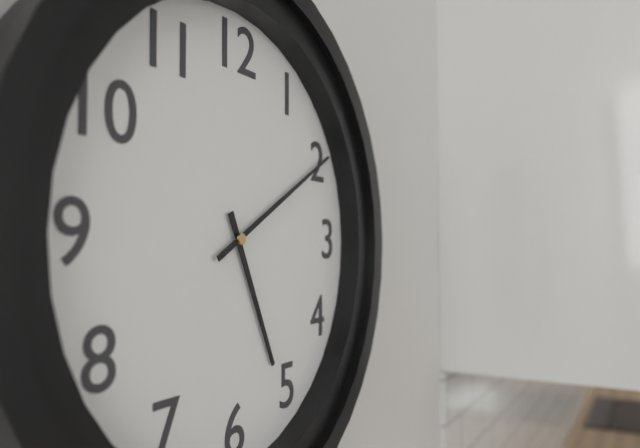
5:10
